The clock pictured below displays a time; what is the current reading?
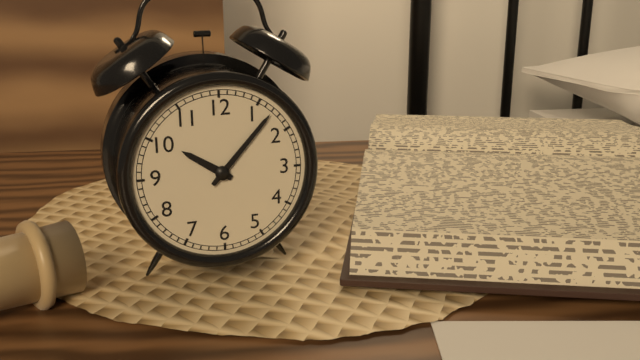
10:07
